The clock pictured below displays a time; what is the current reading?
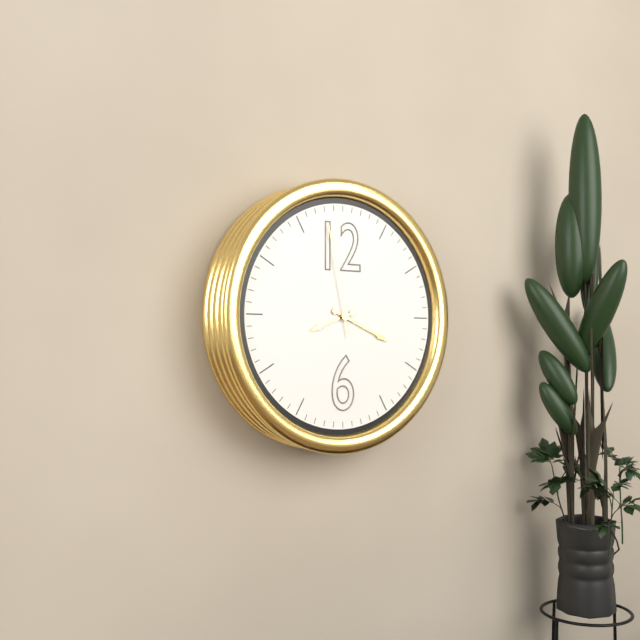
8:19:58
